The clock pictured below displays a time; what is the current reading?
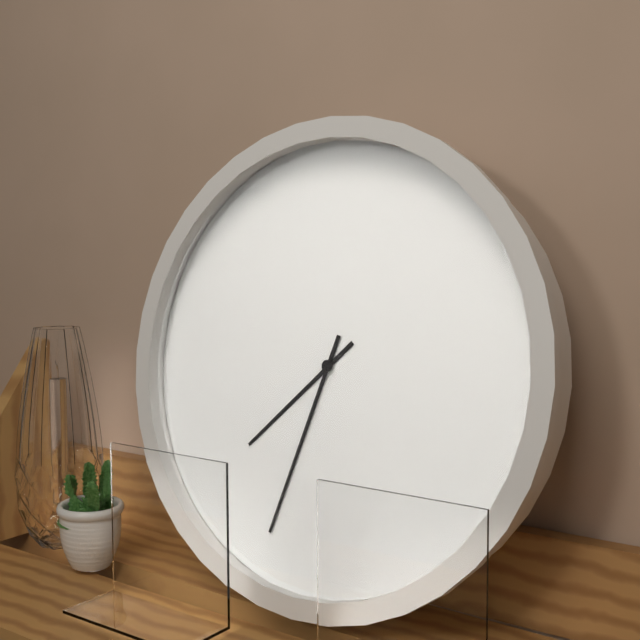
7:33
